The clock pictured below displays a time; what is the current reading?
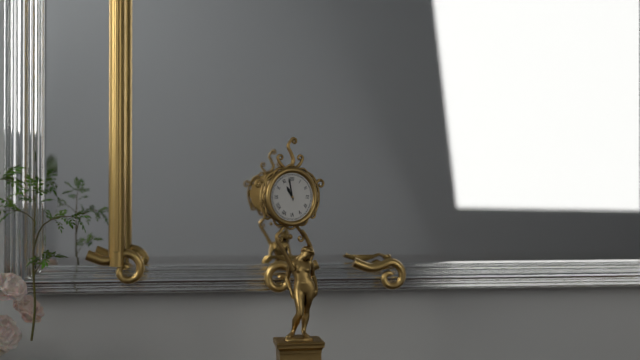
10:58
